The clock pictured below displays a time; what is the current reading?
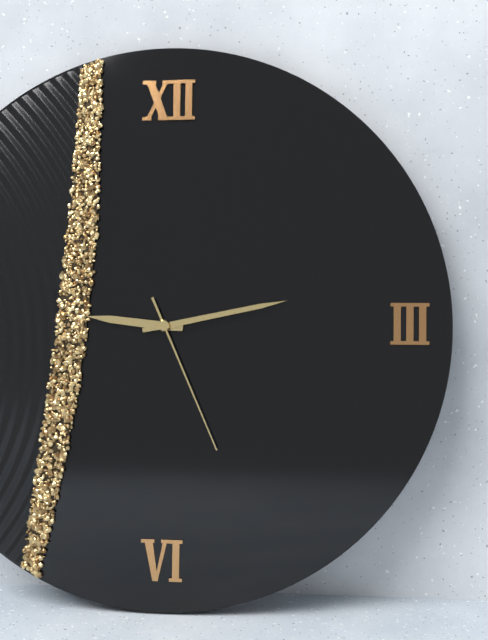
9:13:26
